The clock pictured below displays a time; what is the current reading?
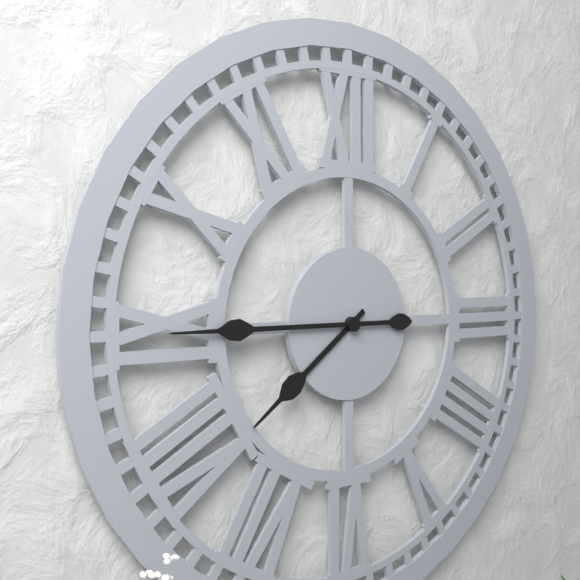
7:45
